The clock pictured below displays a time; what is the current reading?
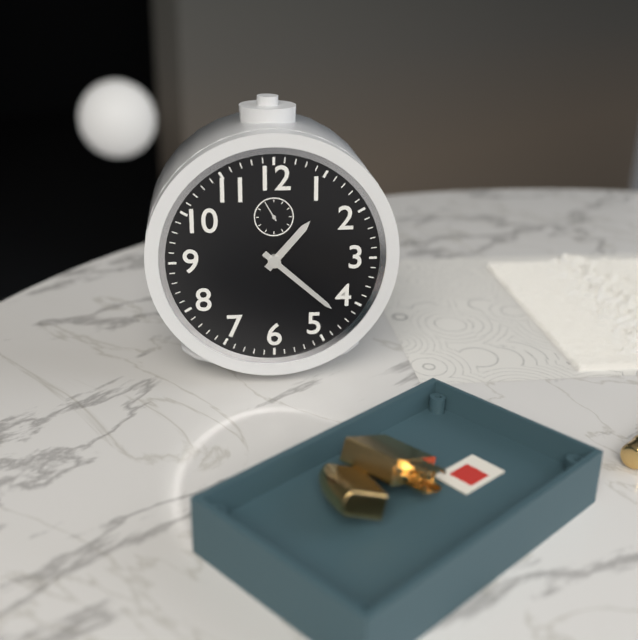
1:22
